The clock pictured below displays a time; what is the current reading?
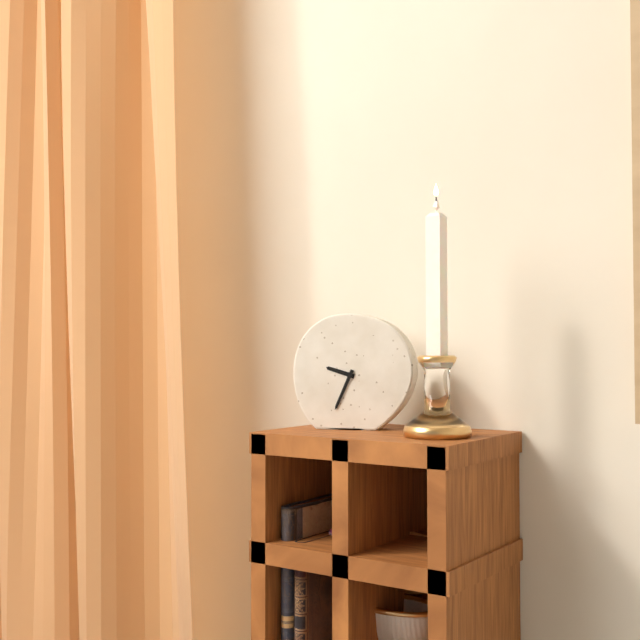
9:34
